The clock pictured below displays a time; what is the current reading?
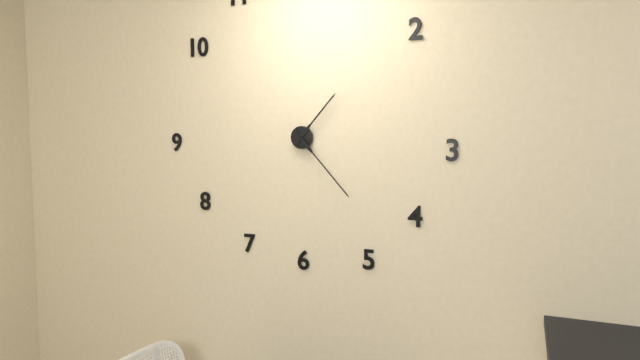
1:23
